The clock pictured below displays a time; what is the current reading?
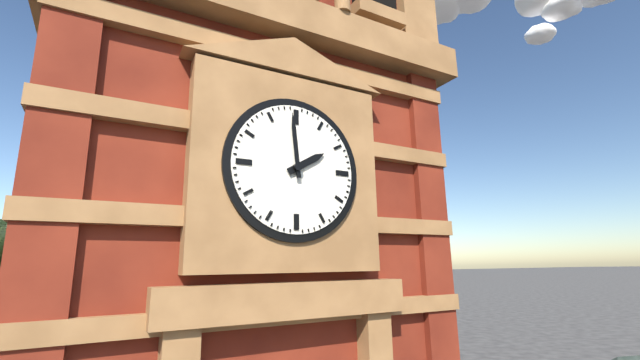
1:59
